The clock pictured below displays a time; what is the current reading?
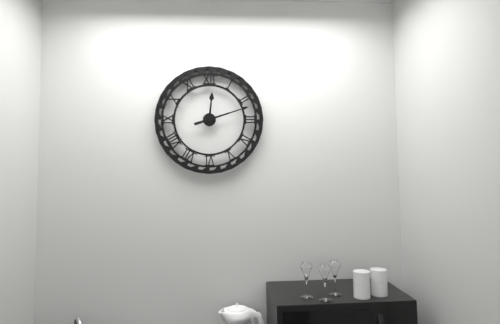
12:12
